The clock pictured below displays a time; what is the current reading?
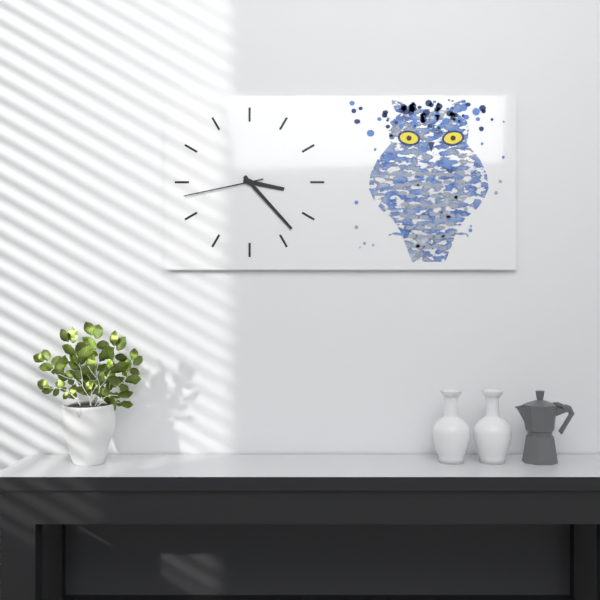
3:23:43
